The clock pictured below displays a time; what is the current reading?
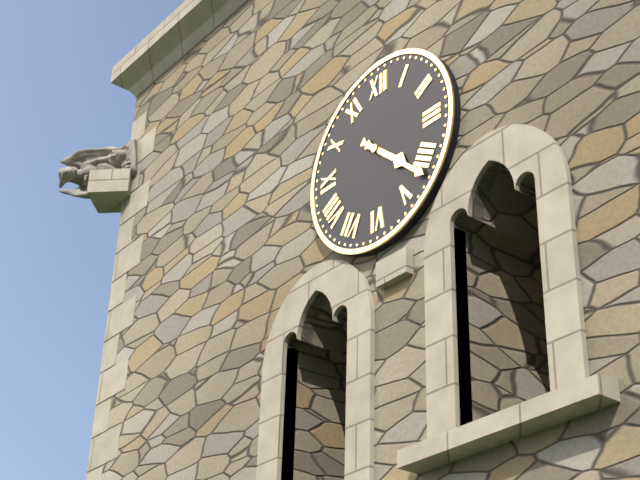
4:22
